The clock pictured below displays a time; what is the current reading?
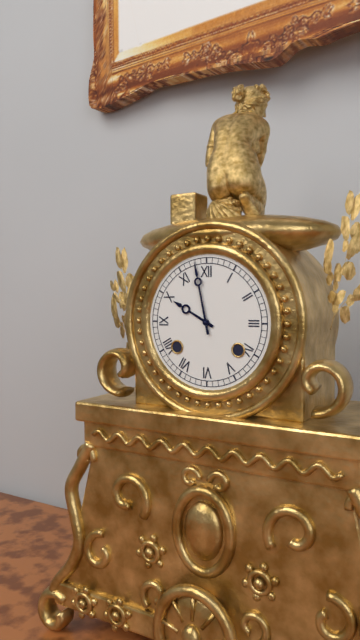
9:58
